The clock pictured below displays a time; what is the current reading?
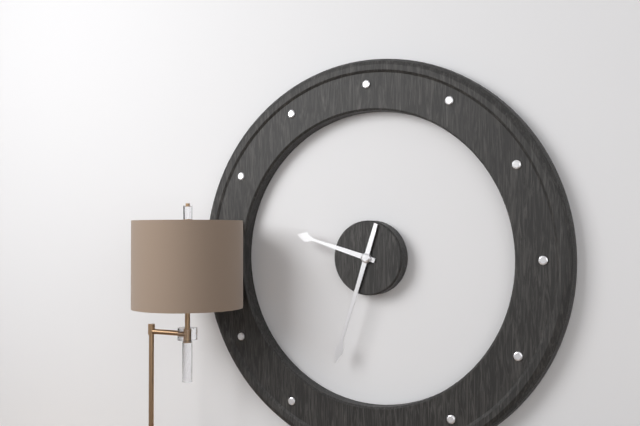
9:33
